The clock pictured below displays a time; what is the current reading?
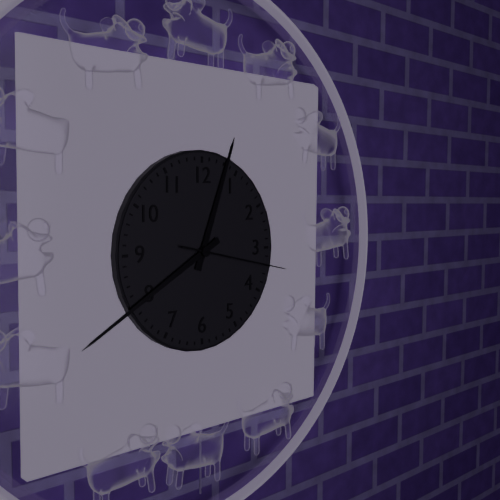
12:40:17
